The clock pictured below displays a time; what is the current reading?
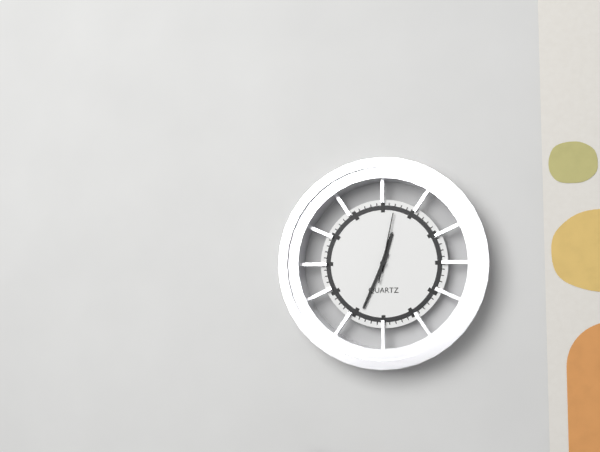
12:34:02
